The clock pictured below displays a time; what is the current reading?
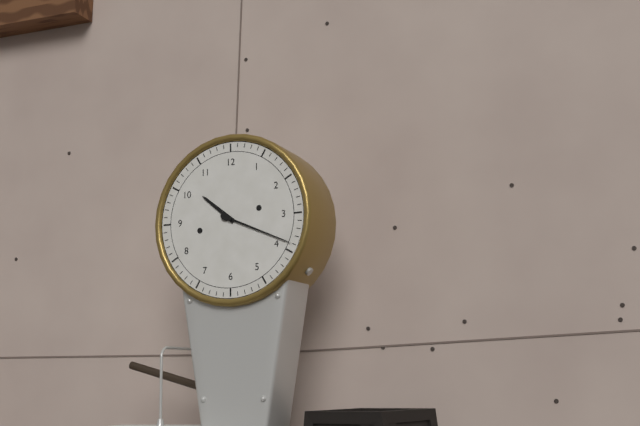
10:19
